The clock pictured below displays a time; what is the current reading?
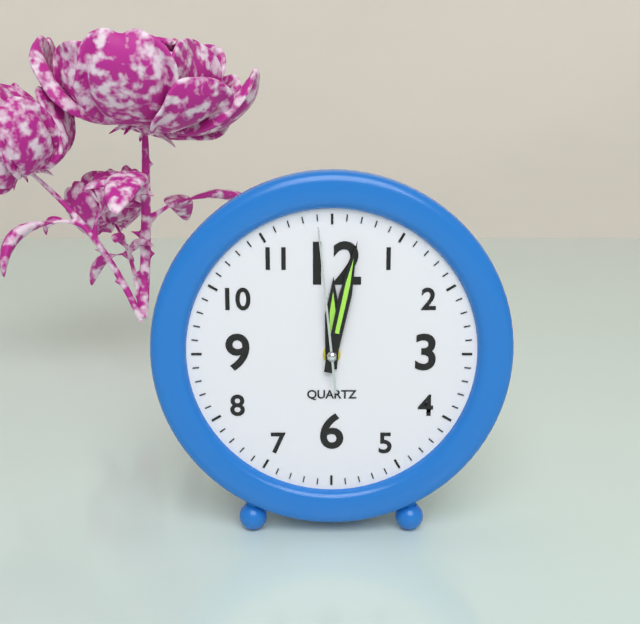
12:02:59
